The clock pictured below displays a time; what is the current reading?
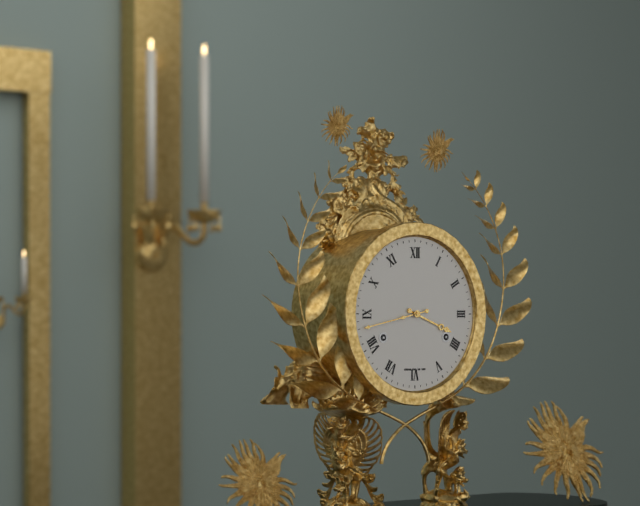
3:43
